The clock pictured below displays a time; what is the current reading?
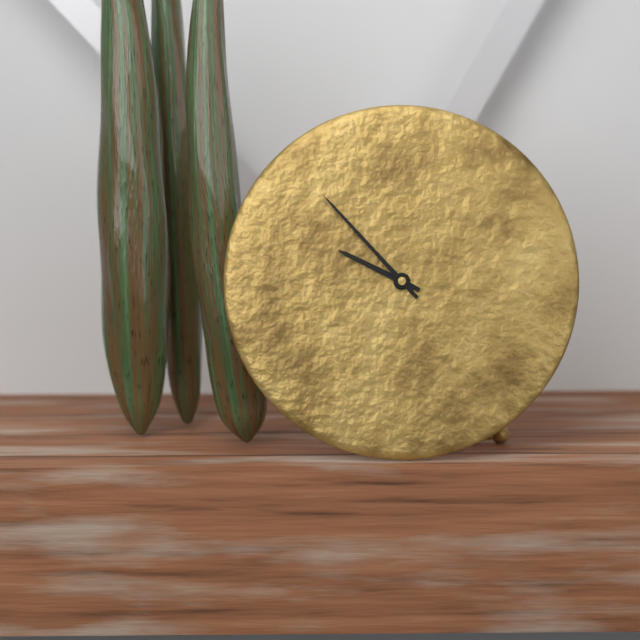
9:53
